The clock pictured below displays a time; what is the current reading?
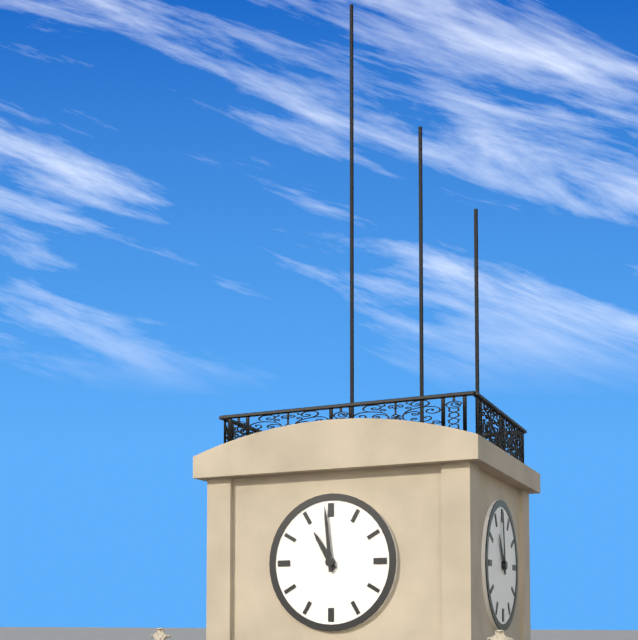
10:59
